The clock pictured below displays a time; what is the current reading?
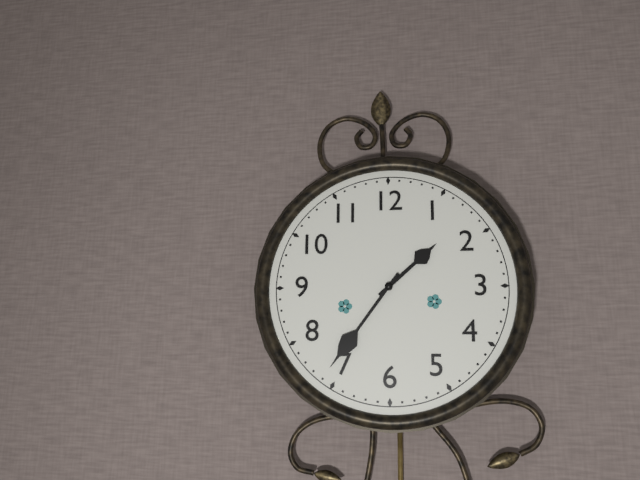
1:36
